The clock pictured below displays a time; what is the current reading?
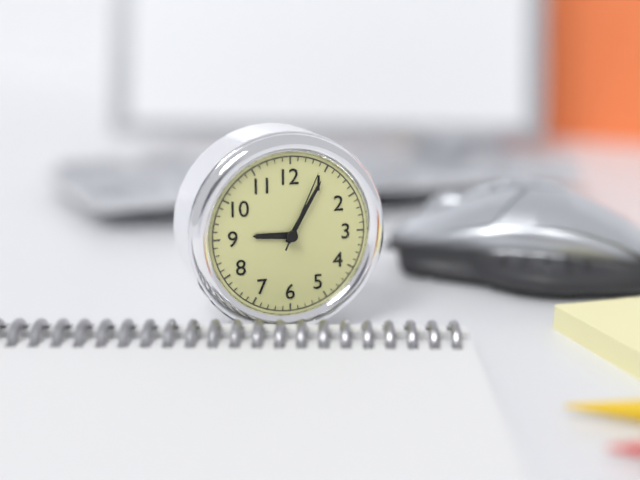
9:05:04
